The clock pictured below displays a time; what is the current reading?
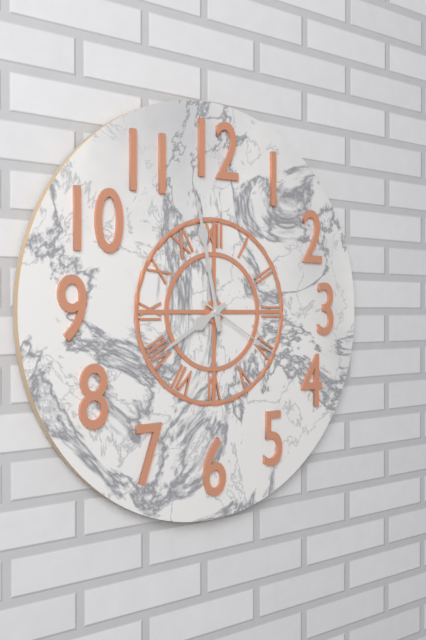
7:58:20
